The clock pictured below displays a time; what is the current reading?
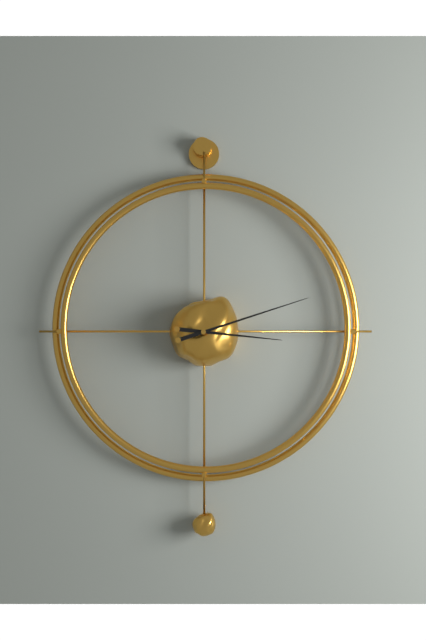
3:12
